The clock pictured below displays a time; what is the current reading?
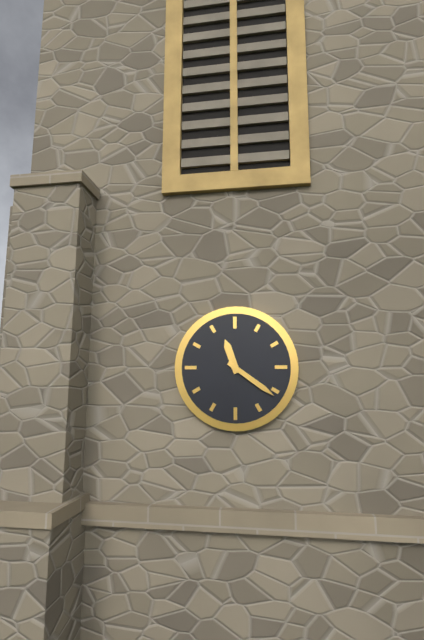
11:21
